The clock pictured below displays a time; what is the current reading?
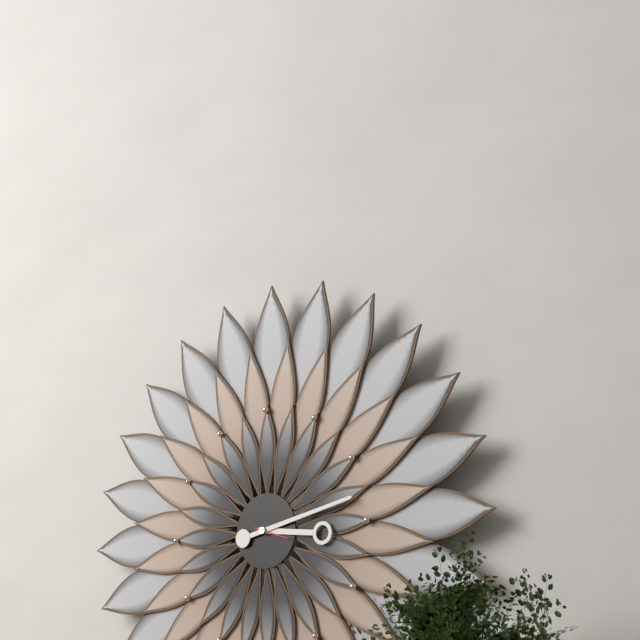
3:13
